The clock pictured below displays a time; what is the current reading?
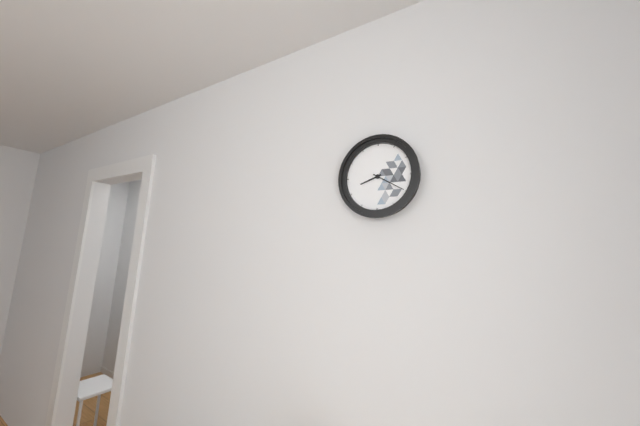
8:20
